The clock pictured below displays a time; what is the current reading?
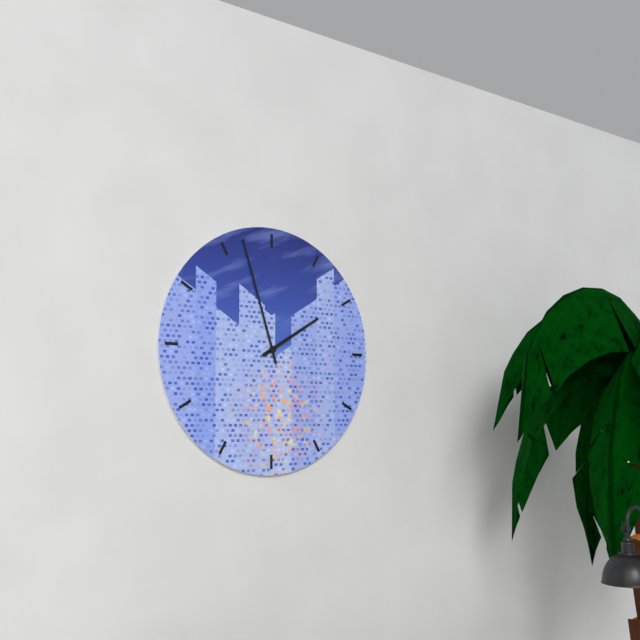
1:57
